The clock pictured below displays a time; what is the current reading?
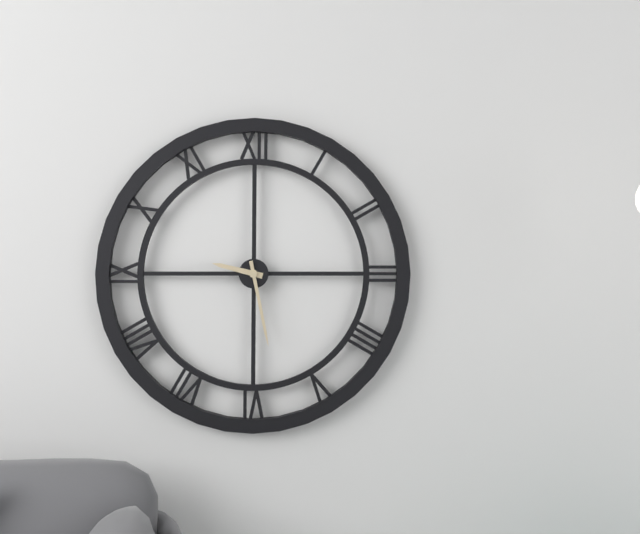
9:28
